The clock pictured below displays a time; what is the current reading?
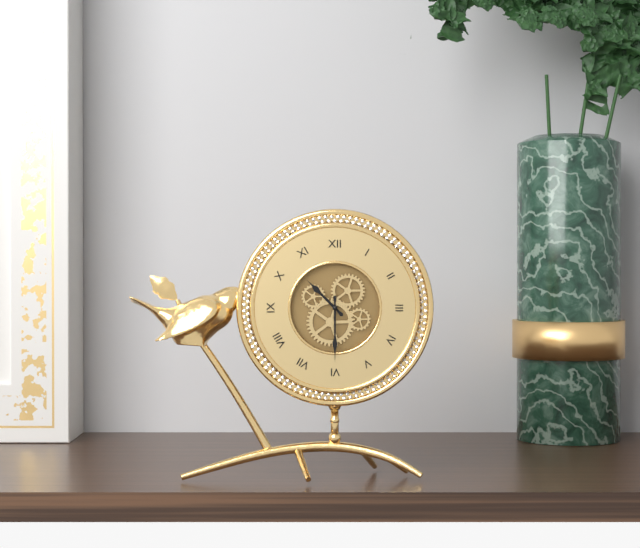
10:30
